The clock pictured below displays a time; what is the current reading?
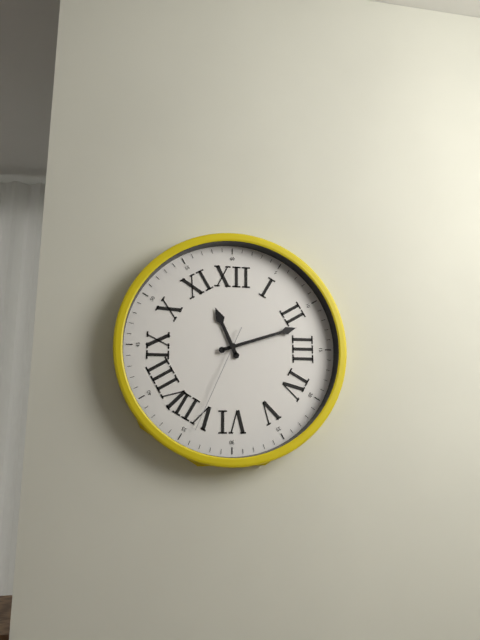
11:12:34
